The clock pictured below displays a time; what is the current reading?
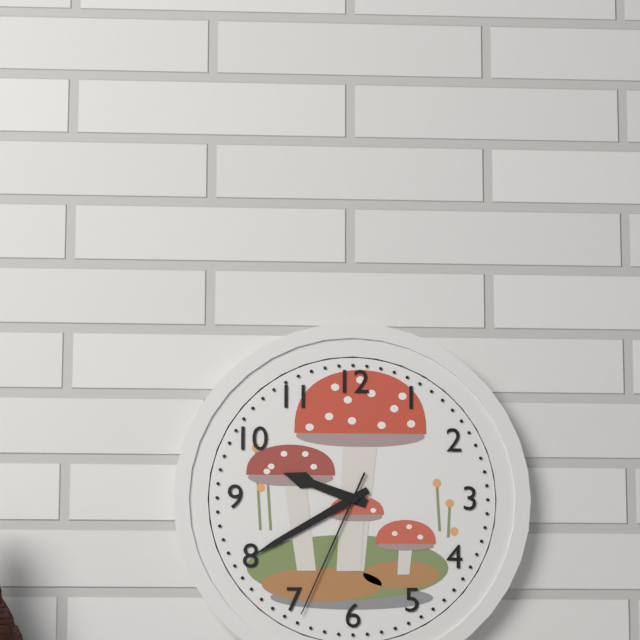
9:40:34
